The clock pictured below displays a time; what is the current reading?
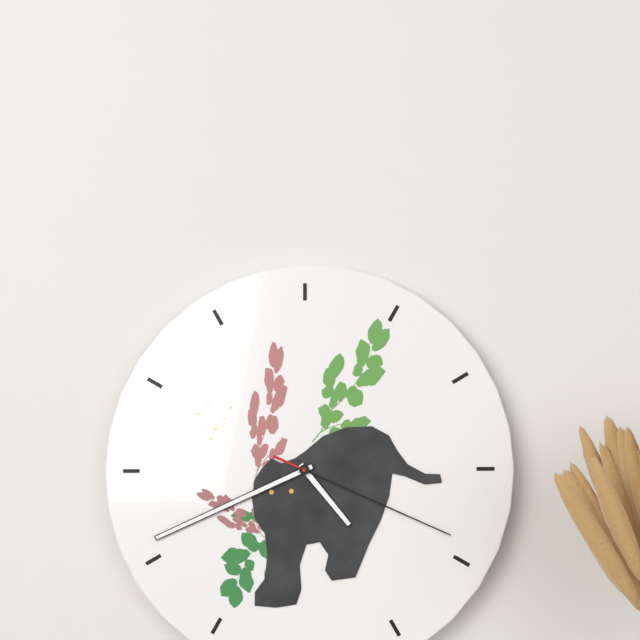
4:41:19
